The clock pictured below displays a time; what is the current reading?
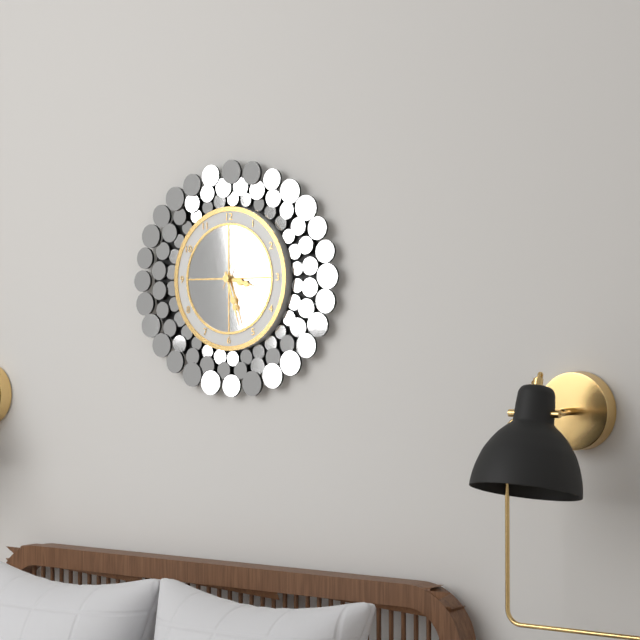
3:27:04
